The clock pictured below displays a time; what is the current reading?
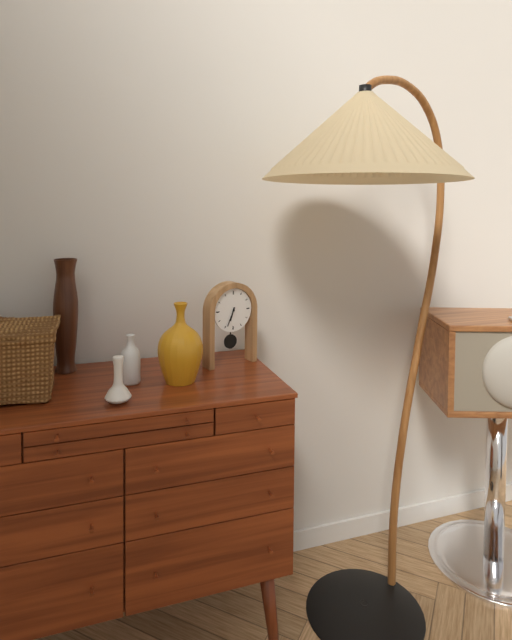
6:34
